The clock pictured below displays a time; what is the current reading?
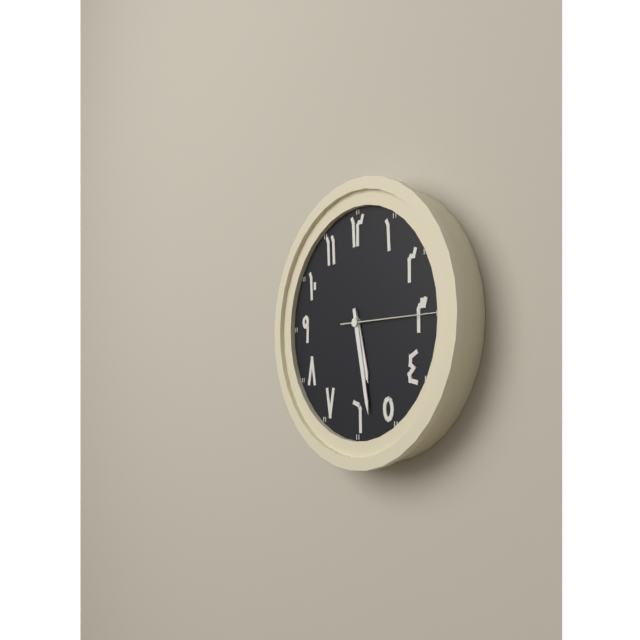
5:28:15
